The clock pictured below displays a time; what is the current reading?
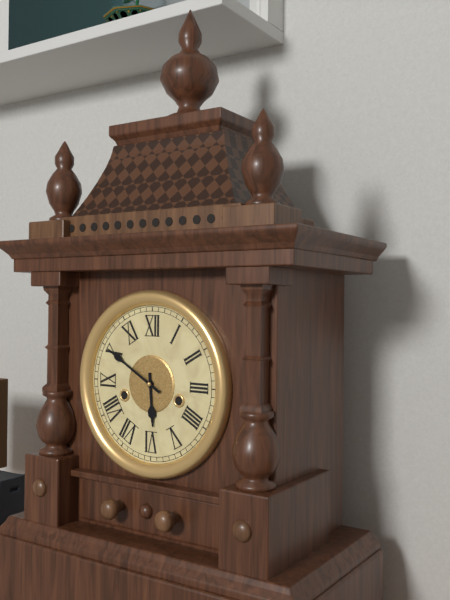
5:50
